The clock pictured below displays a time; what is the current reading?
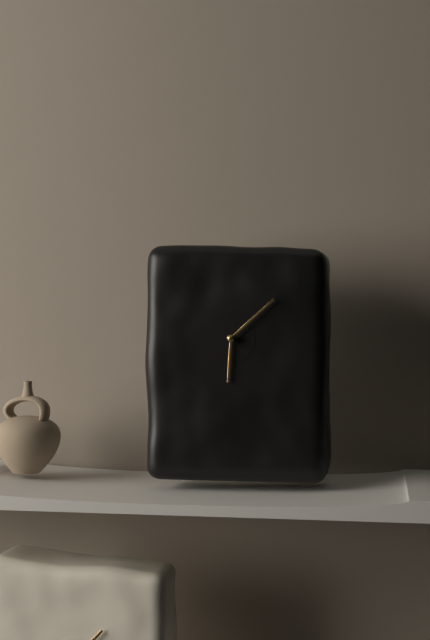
6:08
